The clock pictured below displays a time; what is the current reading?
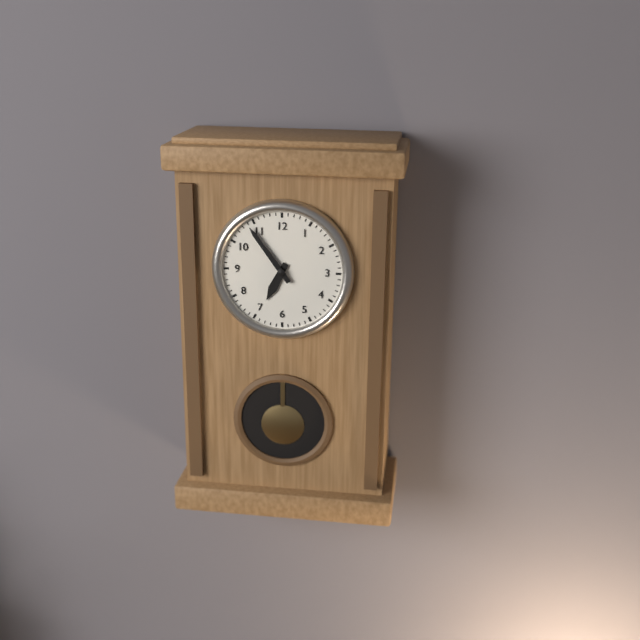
6:54
